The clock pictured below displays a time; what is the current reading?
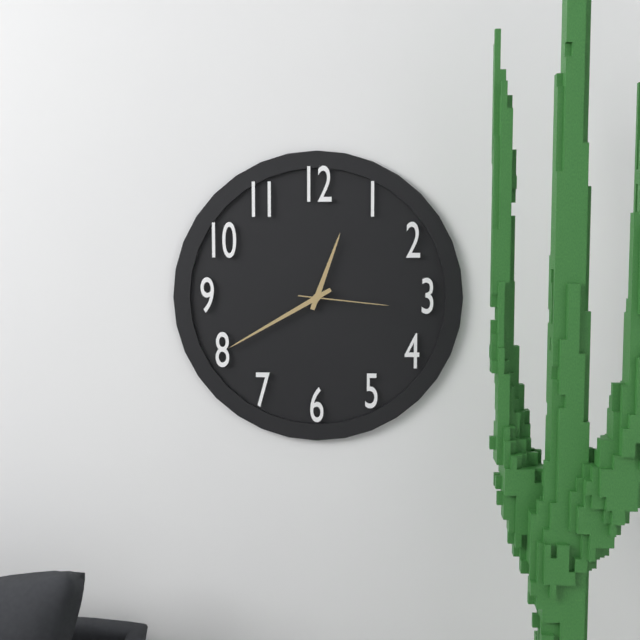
12:40:16
